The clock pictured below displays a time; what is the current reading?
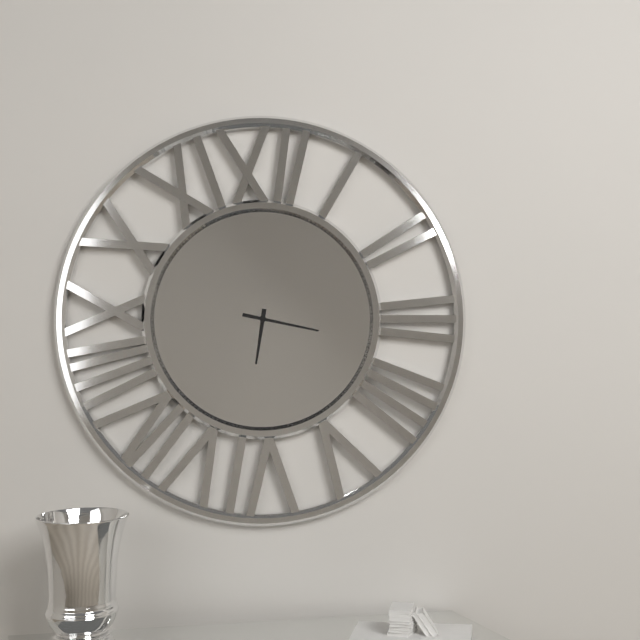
6:17
